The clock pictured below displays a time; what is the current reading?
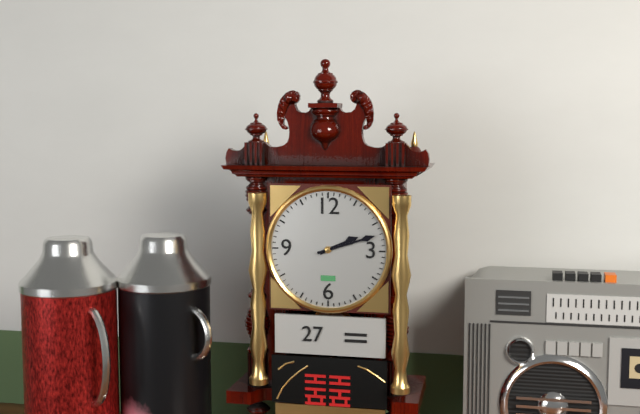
2:12
